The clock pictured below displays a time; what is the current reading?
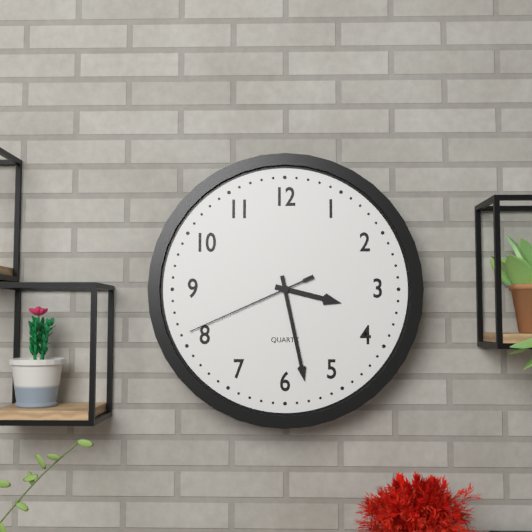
3:28:41
